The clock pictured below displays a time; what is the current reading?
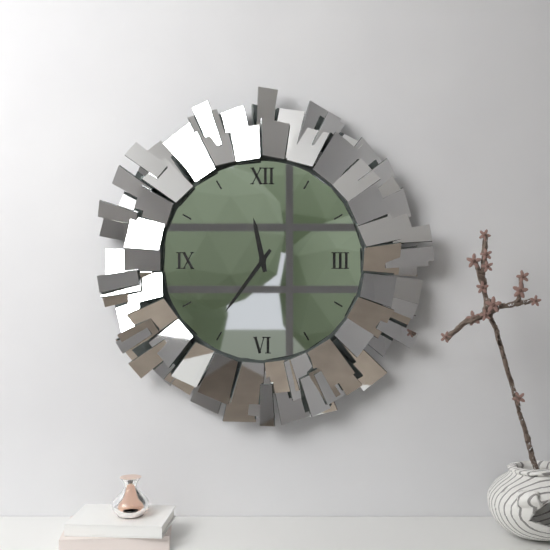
11:36
